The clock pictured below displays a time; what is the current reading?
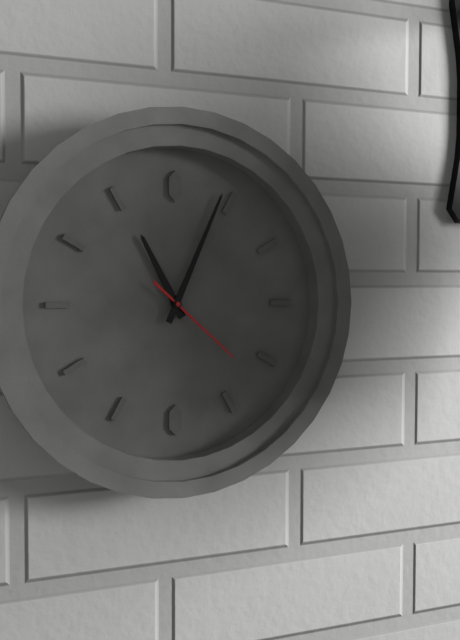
11:04:22
